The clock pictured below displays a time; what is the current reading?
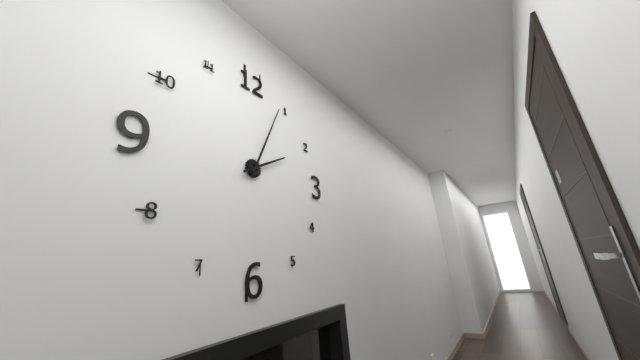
2:04
